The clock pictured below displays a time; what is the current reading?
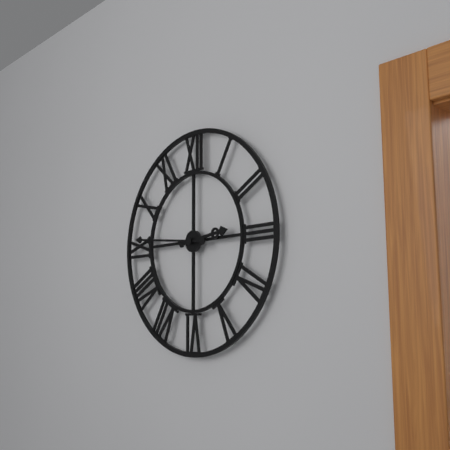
2:46
